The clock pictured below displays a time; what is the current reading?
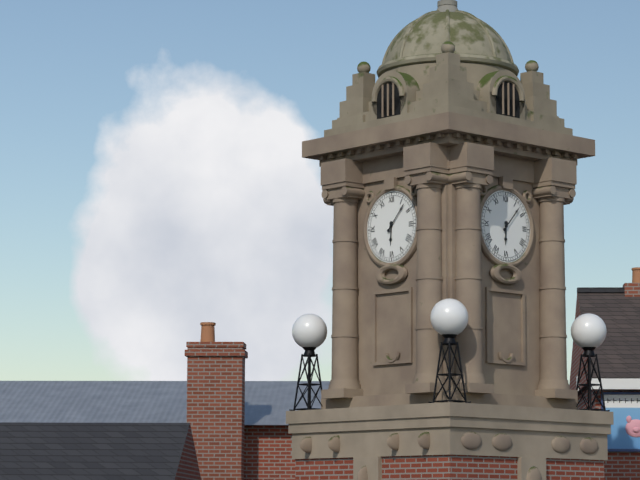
6:07
